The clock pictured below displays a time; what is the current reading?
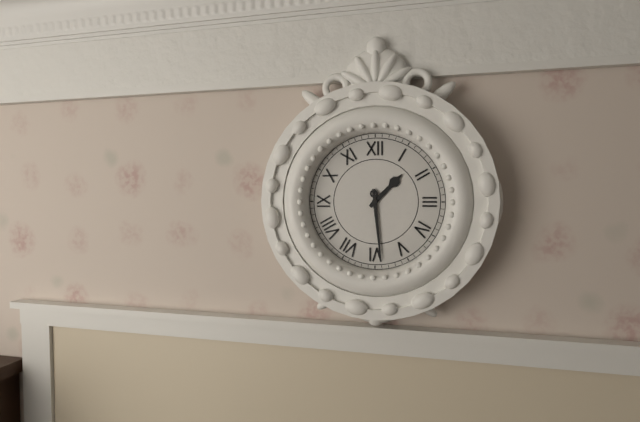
1:29
